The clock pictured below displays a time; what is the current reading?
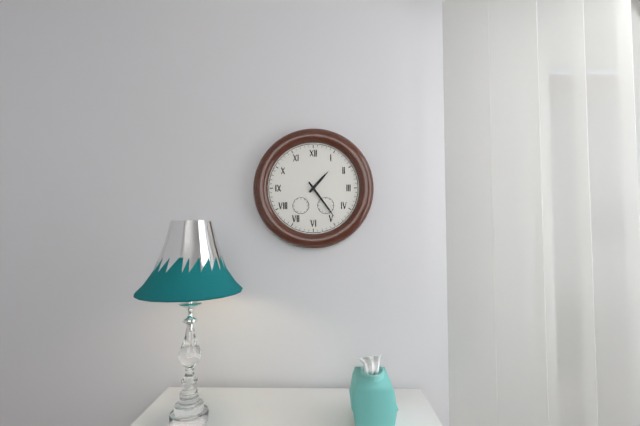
1:24
